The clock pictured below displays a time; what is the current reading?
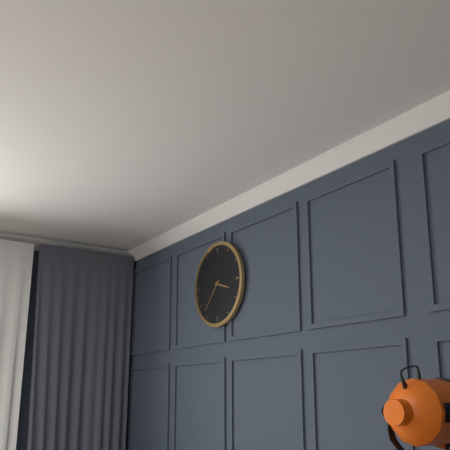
3:37
